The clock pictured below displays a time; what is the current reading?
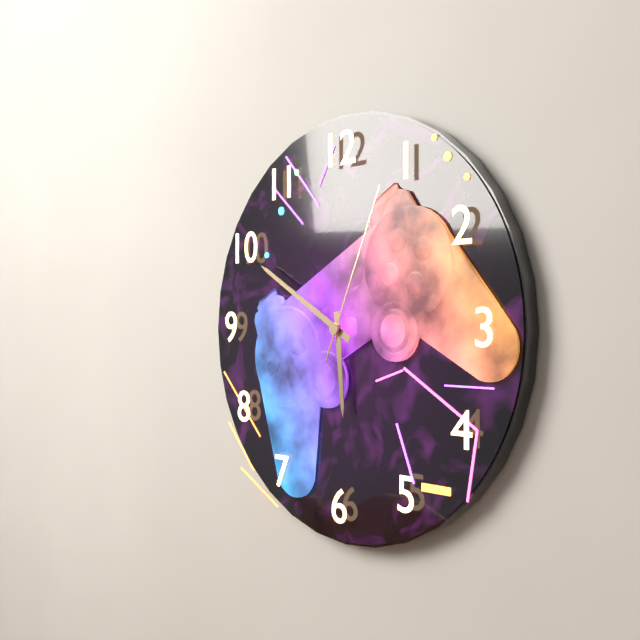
5:50:04
